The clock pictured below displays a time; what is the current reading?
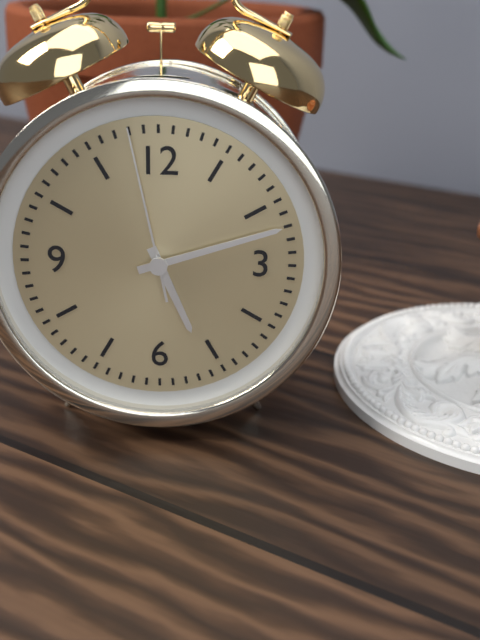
5:12:58
